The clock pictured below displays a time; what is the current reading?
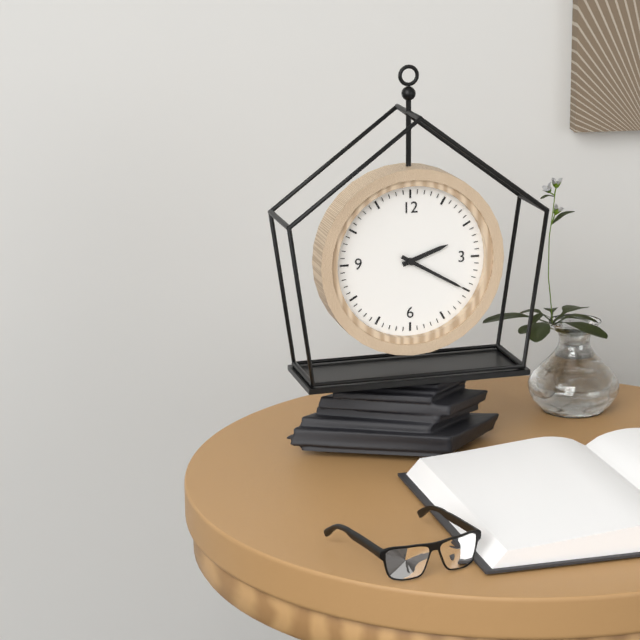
2:20
